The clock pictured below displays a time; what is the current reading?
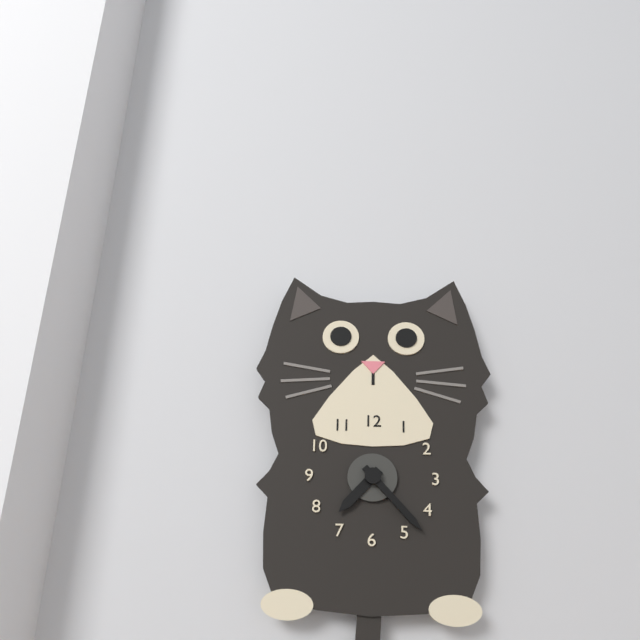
7:23
